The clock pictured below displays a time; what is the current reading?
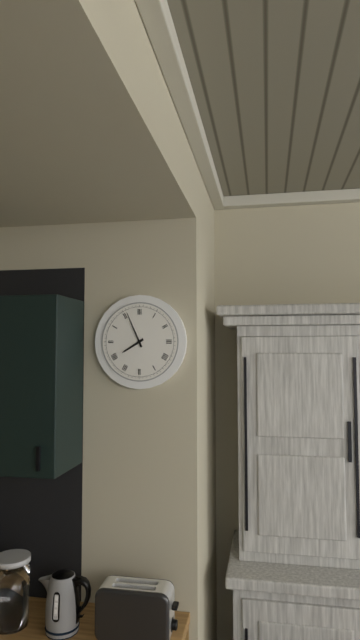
7:56
